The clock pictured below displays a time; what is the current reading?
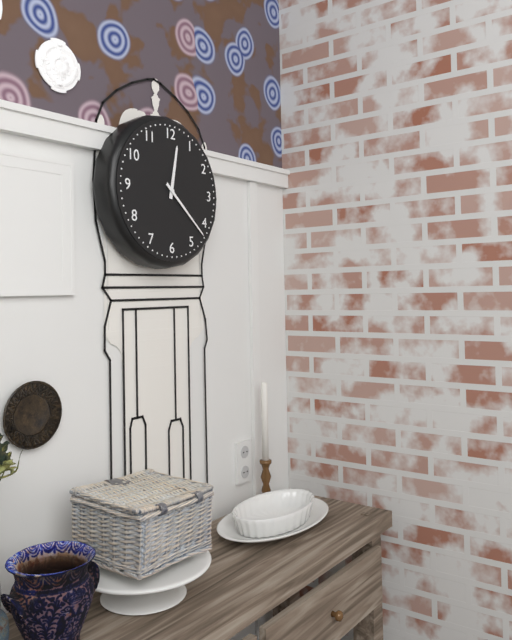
12:22
